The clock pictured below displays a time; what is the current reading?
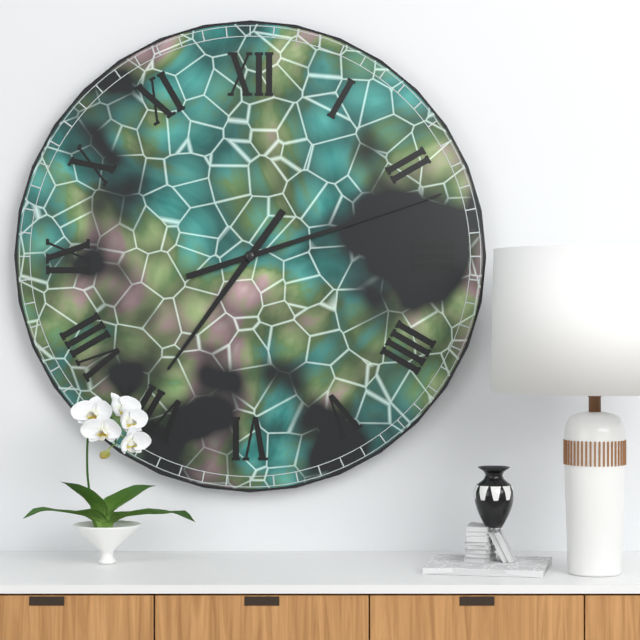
7:12
